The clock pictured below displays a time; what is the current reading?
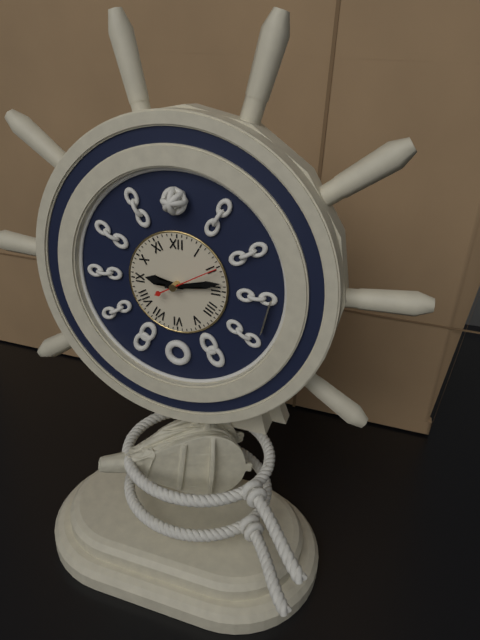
9:13
